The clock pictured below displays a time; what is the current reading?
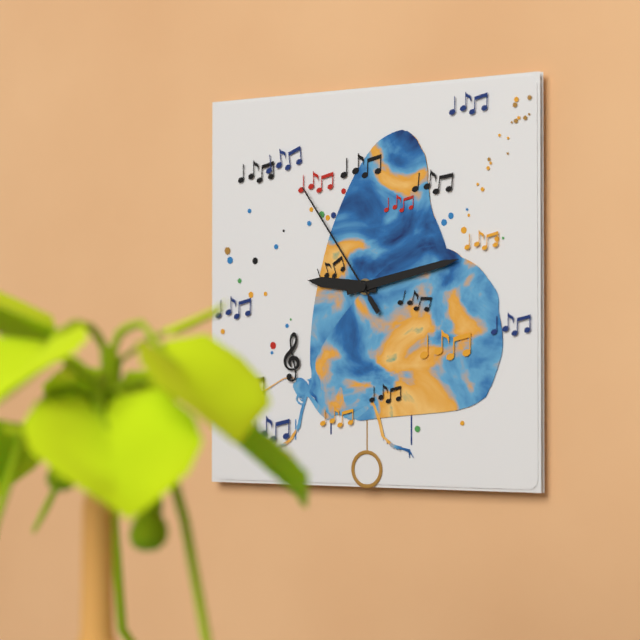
9:13:54
